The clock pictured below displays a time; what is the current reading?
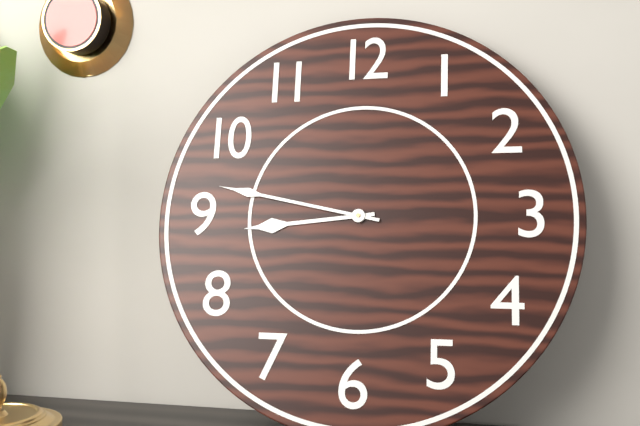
8:47
